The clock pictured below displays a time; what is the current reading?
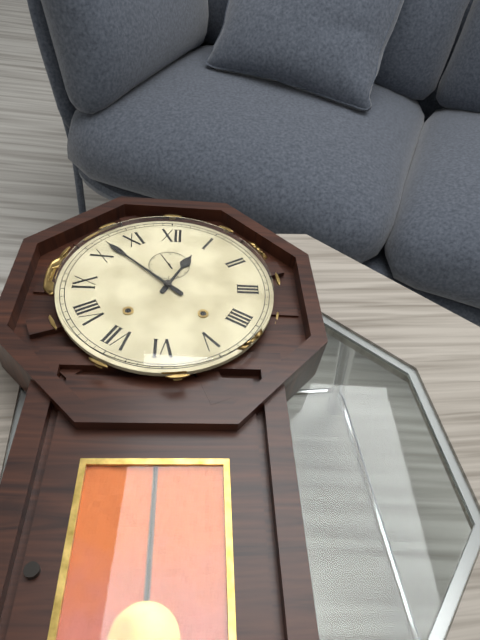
12:52:55
